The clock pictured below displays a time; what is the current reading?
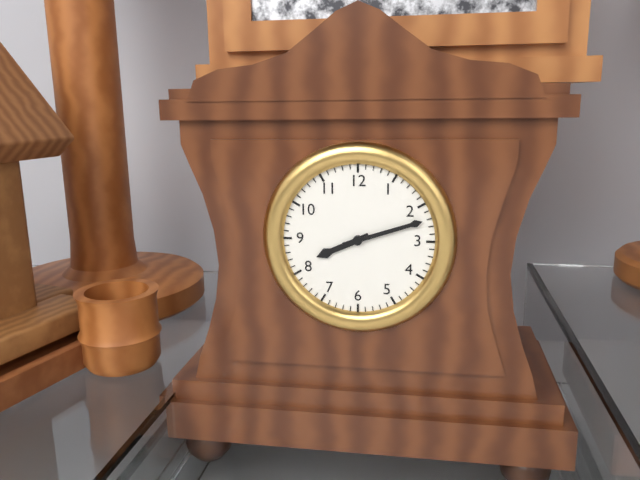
8:12
